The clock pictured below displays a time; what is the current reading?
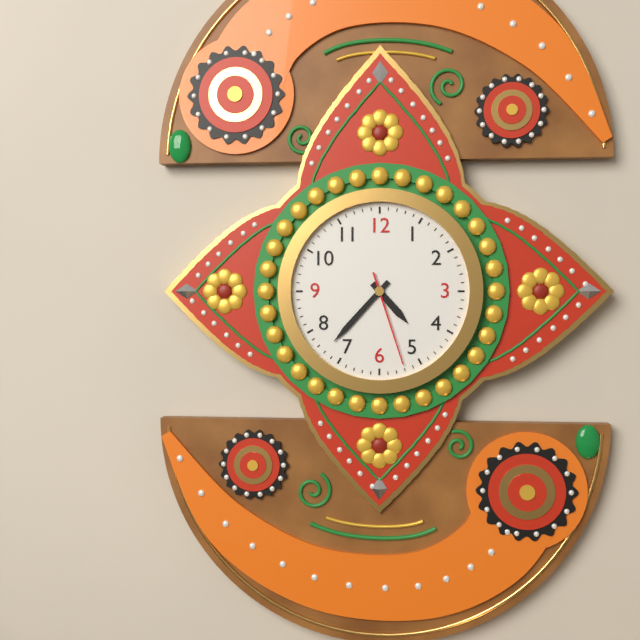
4:37:27
